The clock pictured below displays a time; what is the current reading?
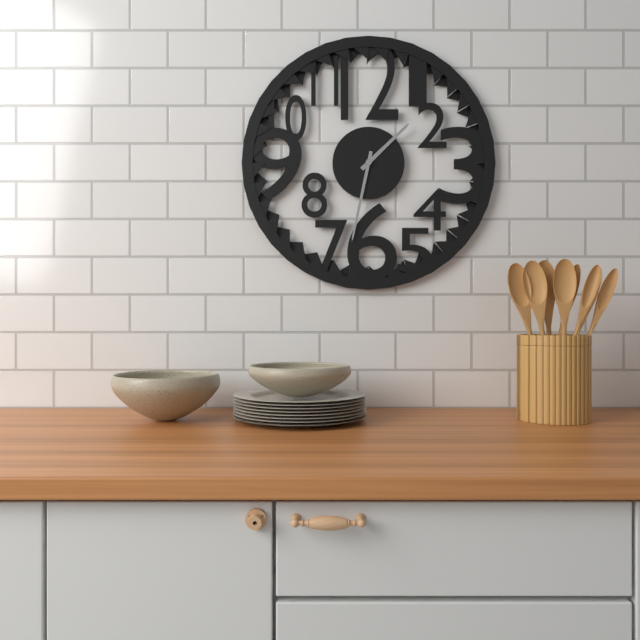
1:32
